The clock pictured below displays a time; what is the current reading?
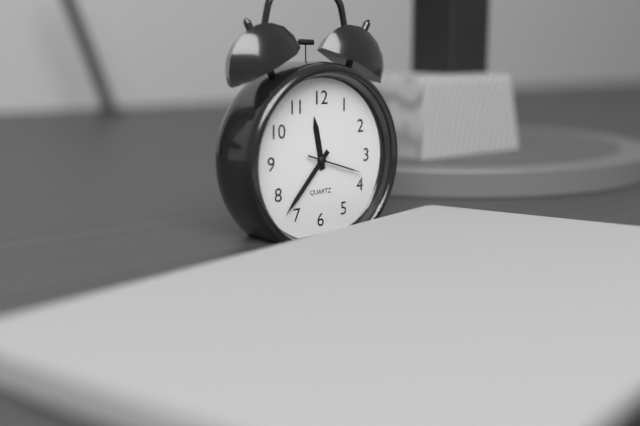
11:37:18
